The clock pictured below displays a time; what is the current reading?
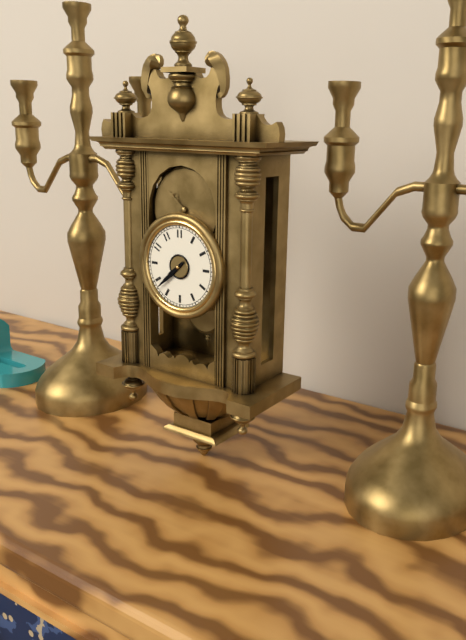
7:38
